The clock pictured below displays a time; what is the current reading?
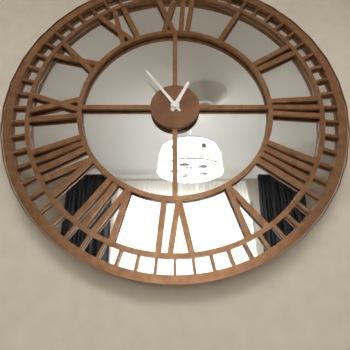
12:54
